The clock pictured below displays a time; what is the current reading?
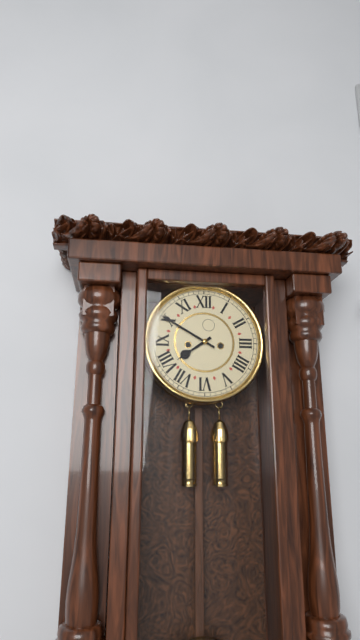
7:50
